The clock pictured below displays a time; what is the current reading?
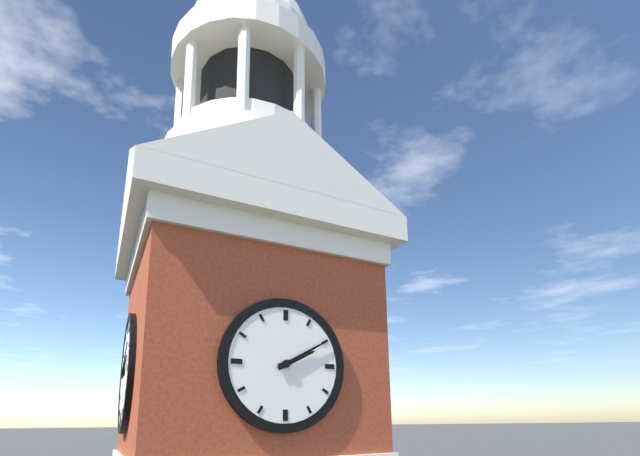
2:10
